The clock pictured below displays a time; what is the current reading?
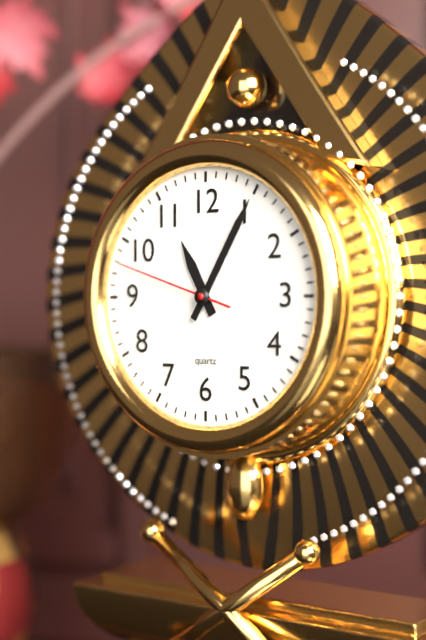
11:05:48
